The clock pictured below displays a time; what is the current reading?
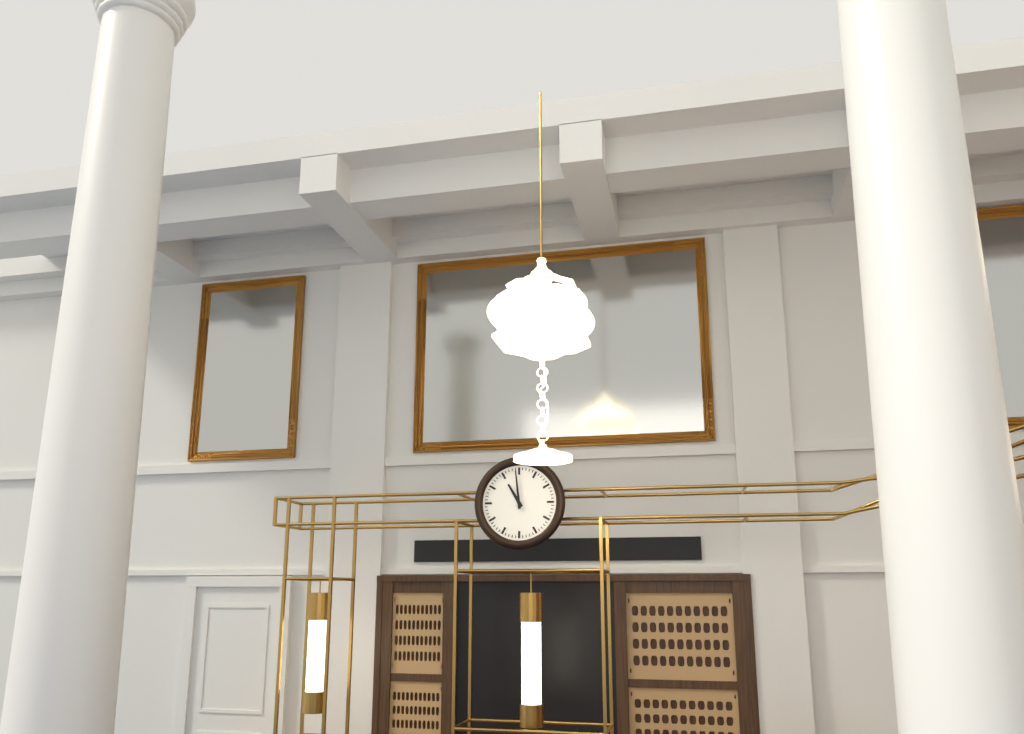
10:59
